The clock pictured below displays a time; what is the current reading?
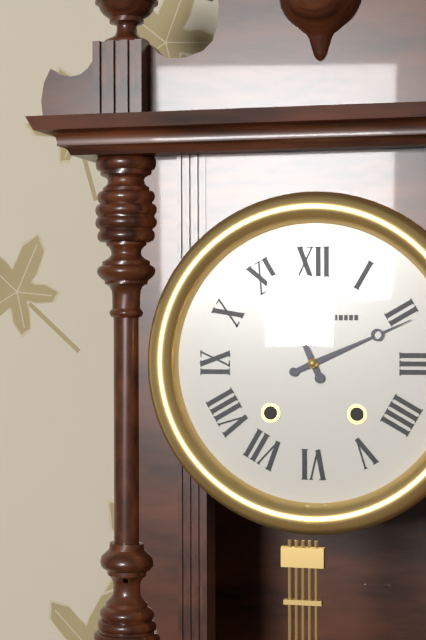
11:11
